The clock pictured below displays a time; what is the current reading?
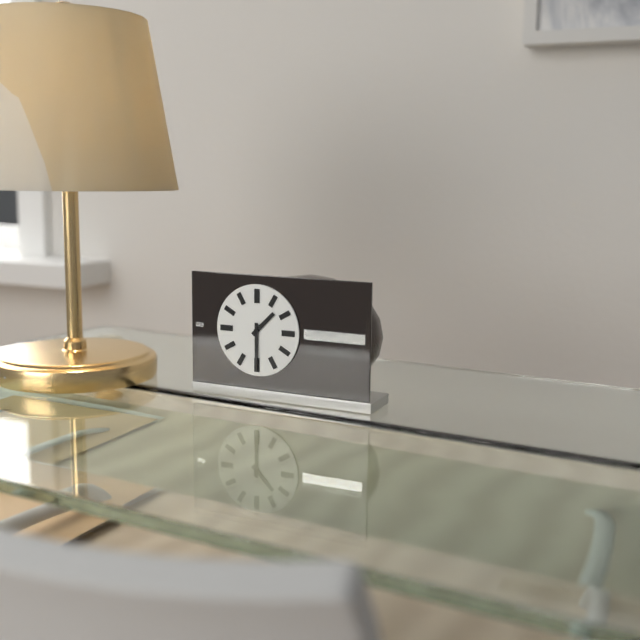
1:30
